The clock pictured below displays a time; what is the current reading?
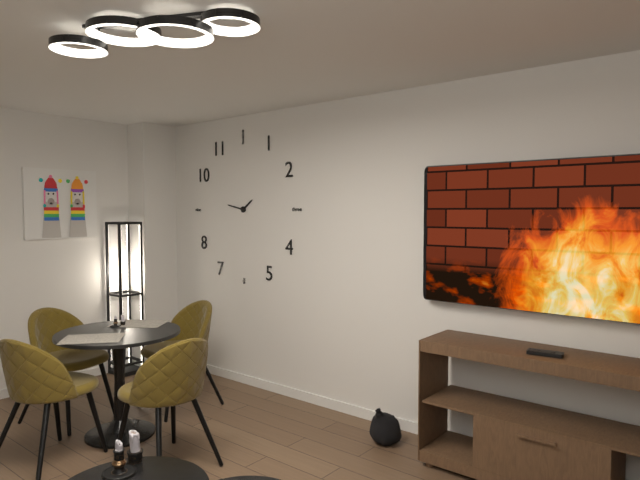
1:47
